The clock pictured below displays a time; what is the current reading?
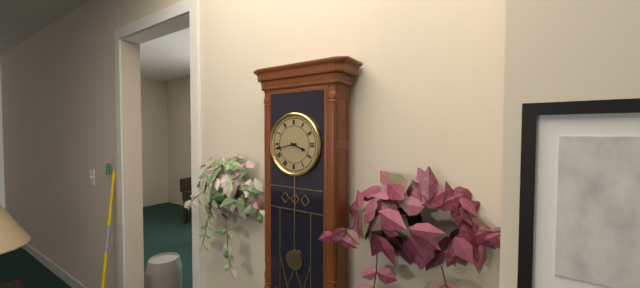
3:43
